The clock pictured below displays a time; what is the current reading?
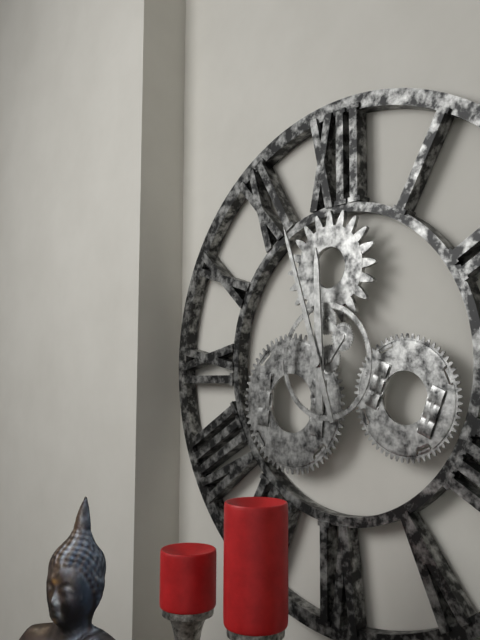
11:57
